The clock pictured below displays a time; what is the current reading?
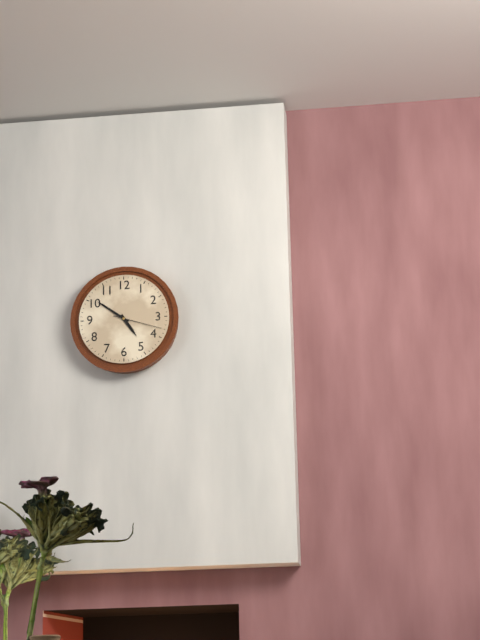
4:51
